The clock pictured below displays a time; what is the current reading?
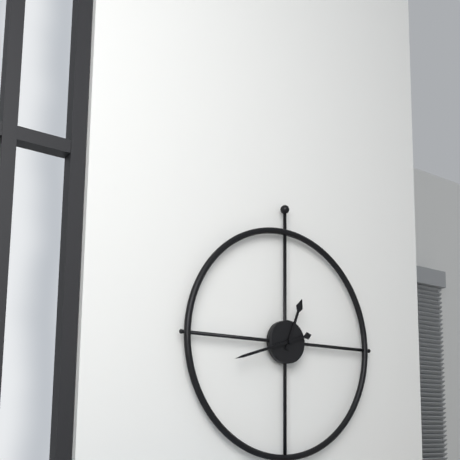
12:42
